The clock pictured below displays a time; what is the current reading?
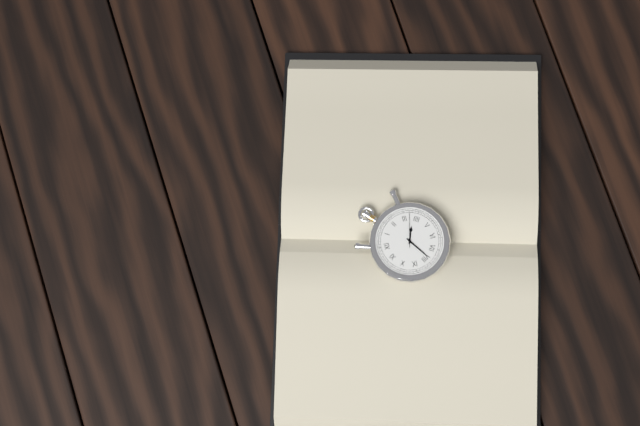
3:39
